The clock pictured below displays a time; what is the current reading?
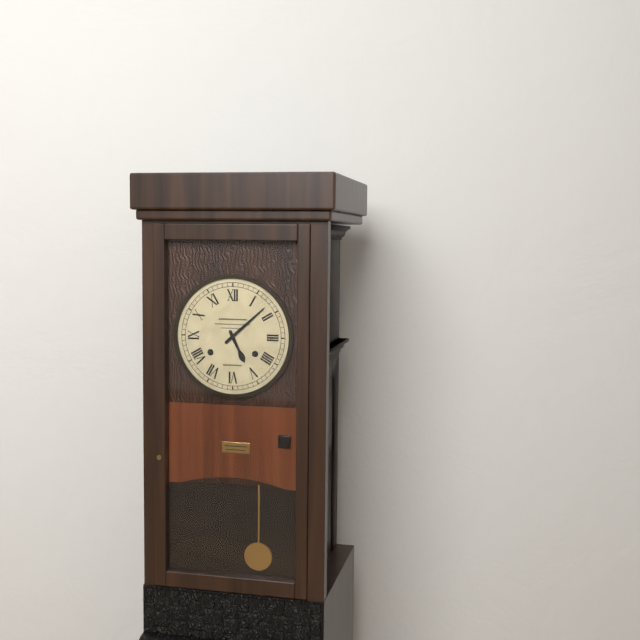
5:08
